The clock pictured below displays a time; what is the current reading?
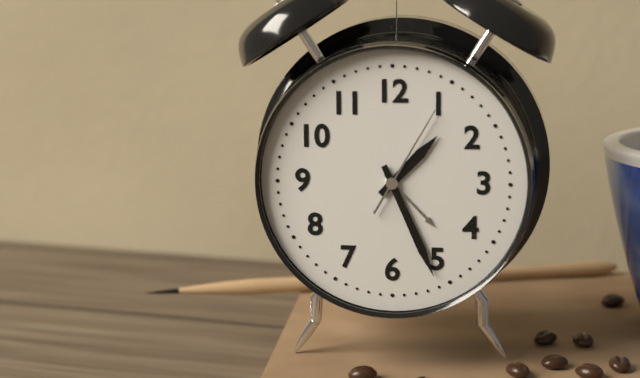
1:26:05
